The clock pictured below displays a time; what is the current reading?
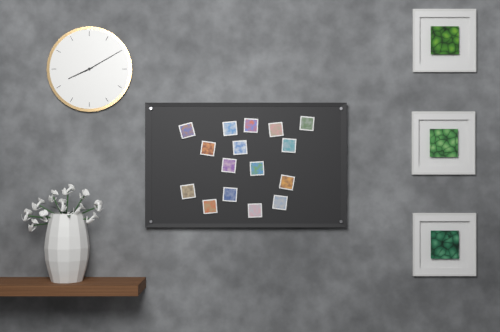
8:10
